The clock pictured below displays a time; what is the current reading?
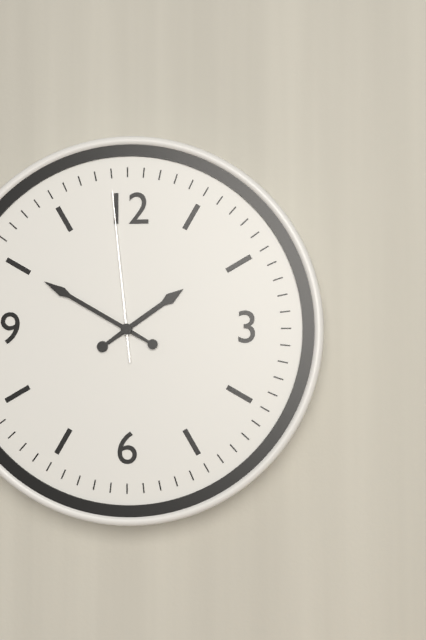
1:50:59
